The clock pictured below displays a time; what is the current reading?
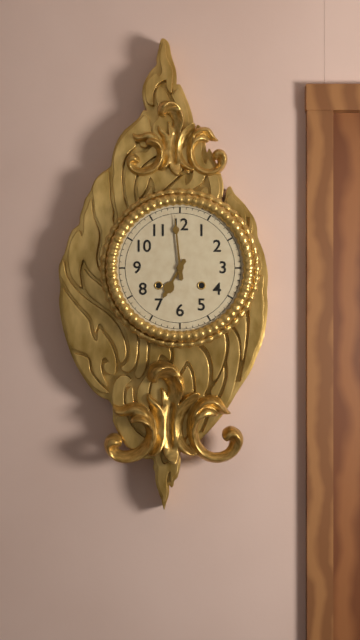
6:59
